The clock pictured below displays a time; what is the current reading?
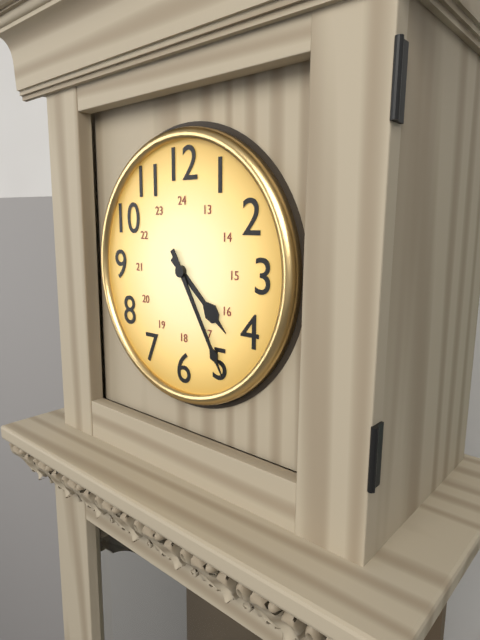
4:25
